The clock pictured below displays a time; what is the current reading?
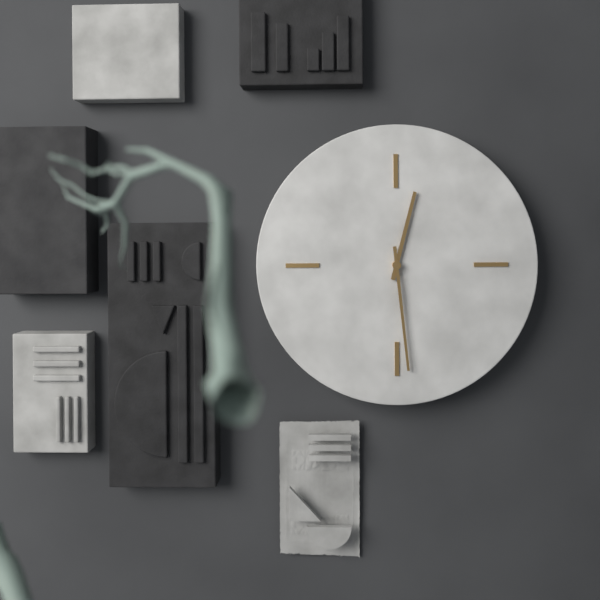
12:29
